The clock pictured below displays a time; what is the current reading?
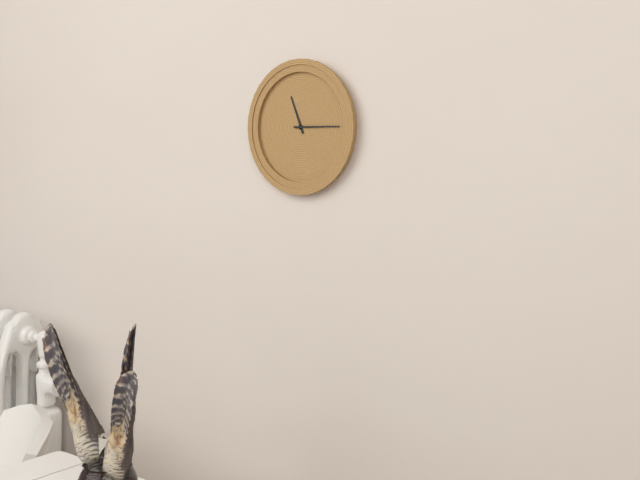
11:15
